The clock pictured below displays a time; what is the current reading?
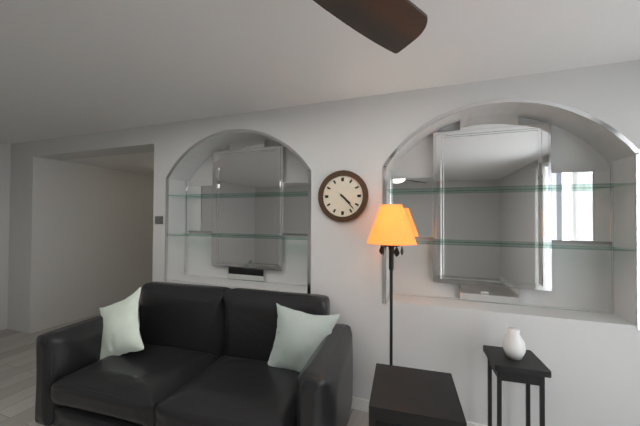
4:23
